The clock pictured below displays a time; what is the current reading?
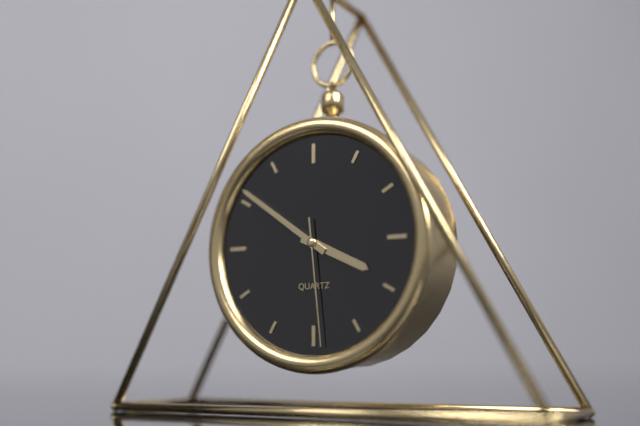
3:51:29
